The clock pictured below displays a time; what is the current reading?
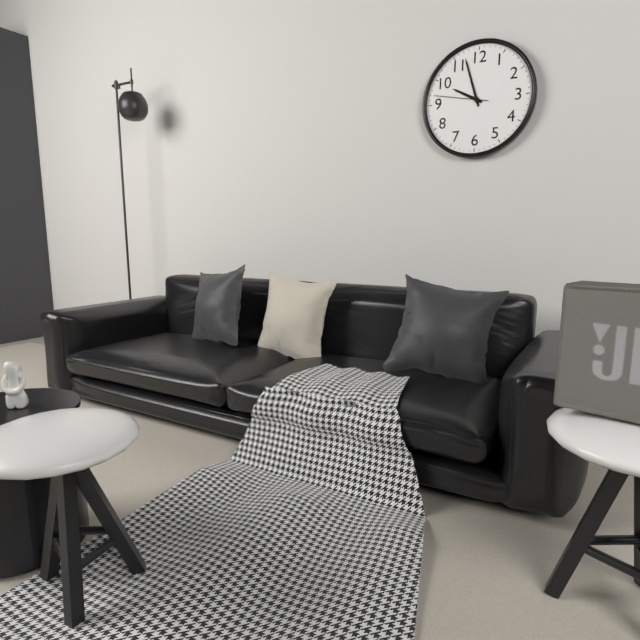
9:57:47
